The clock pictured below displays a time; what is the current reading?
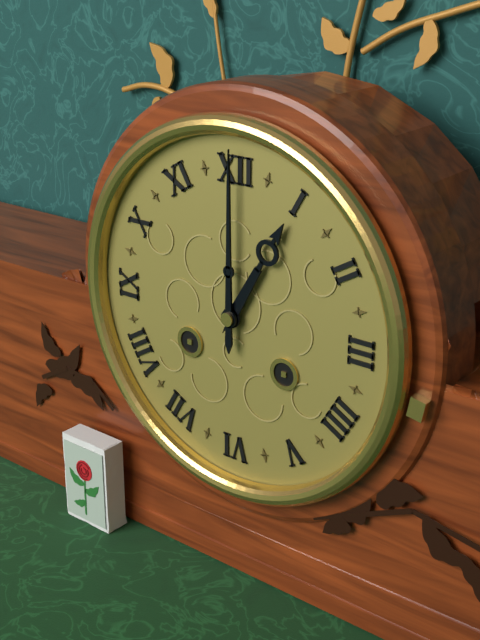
1:00
